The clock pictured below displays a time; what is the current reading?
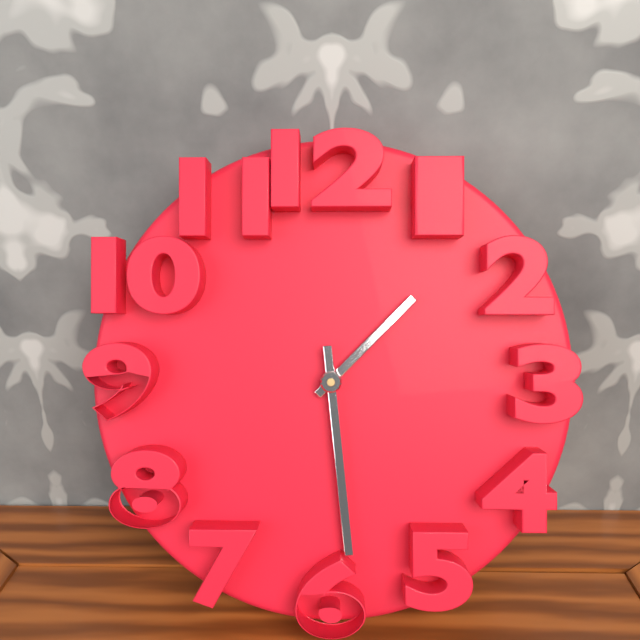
1:29
